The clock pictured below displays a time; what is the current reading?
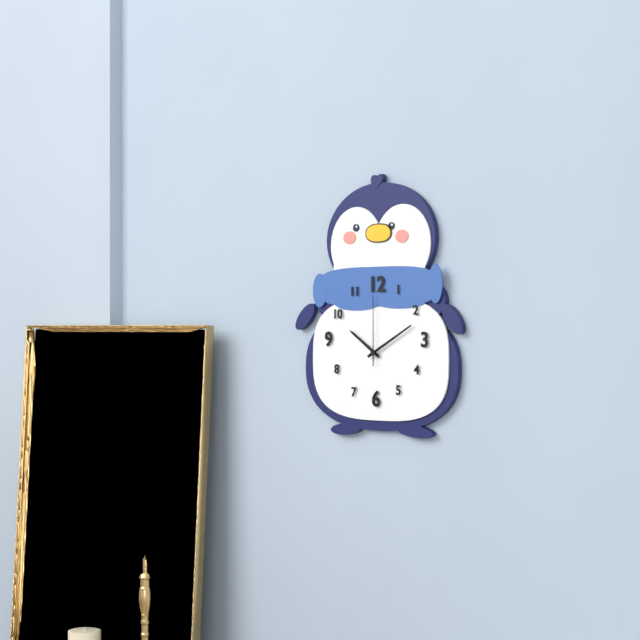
10:10:00
